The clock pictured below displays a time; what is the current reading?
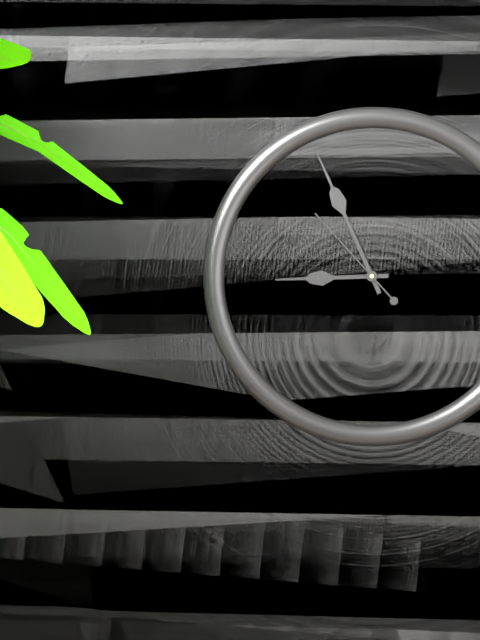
8:56:53
